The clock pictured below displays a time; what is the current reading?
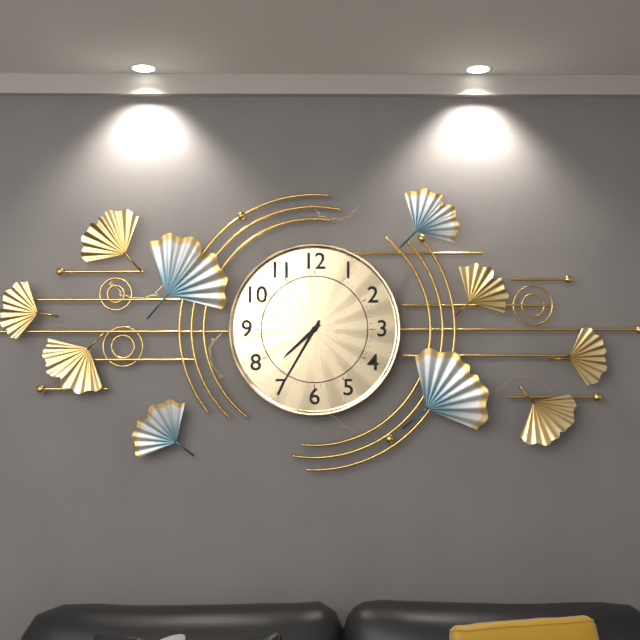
7:35
